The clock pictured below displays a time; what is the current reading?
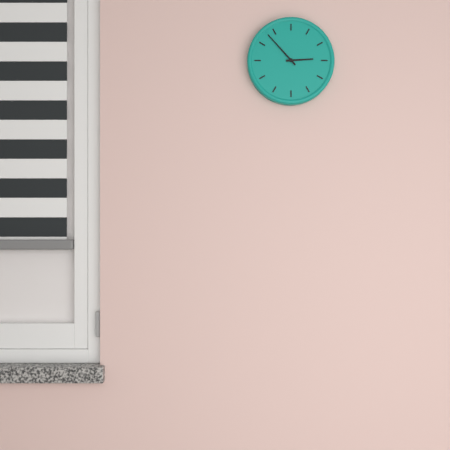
2:53
